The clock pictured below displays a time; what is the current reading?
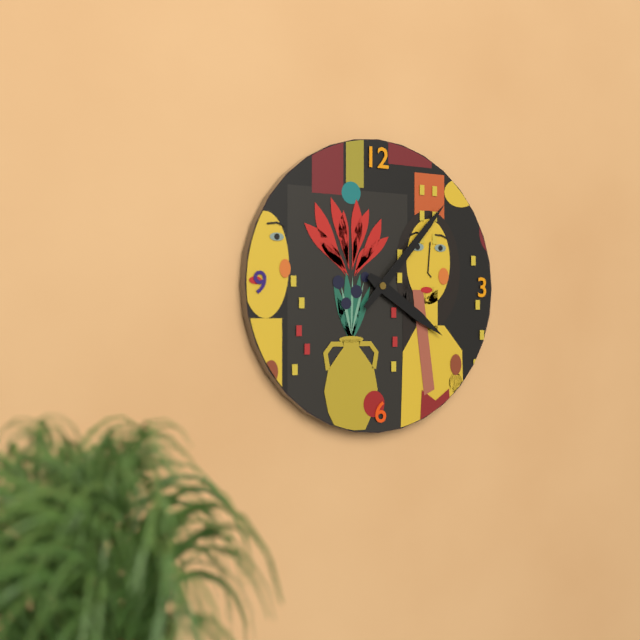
4:07
